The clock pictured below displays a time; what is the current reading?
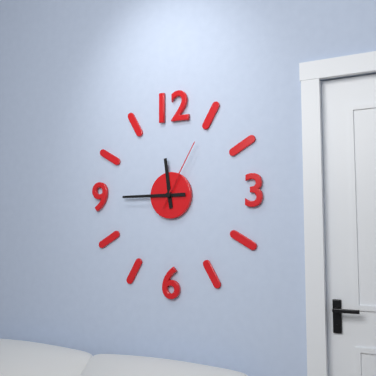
11:45:05
